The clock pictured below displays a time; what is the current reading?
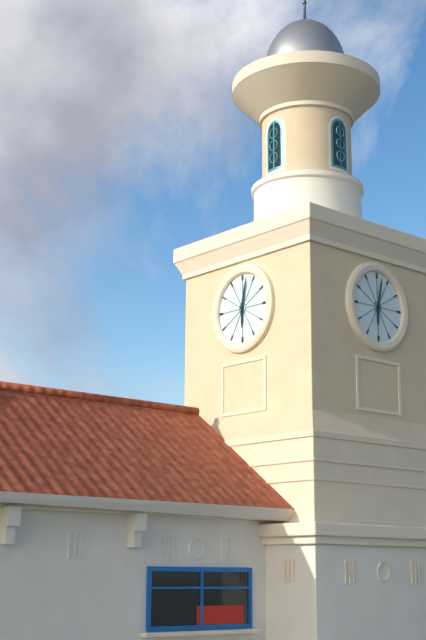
6:02
